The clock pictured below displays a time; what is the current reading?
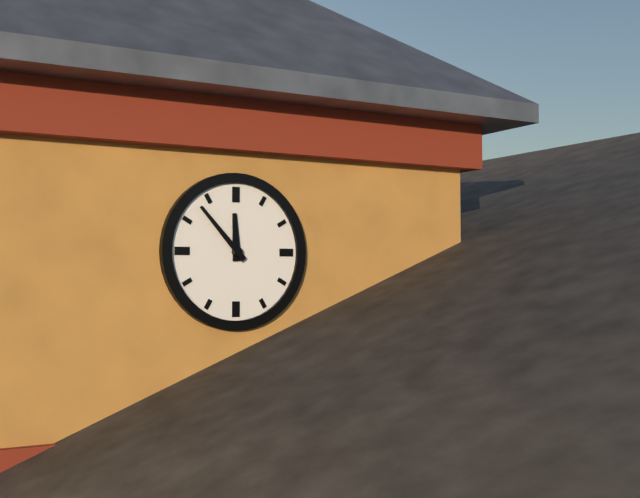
11:53
